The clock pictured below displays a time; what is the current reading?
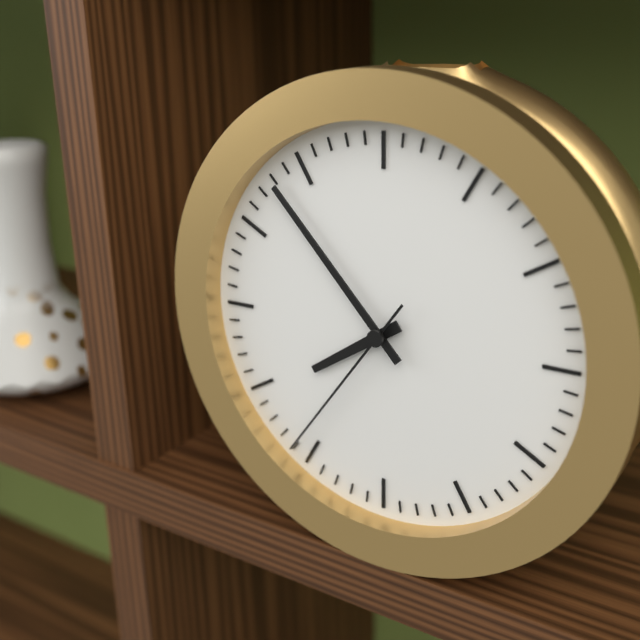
7:53:36
